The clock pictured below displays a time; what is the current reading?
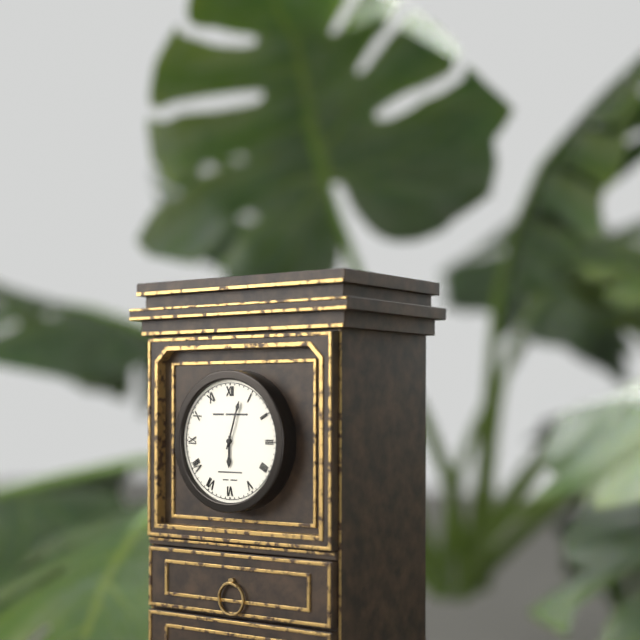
6:03
